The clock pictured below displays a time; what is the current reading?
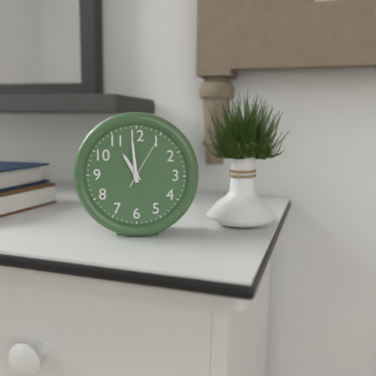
10:59:05
